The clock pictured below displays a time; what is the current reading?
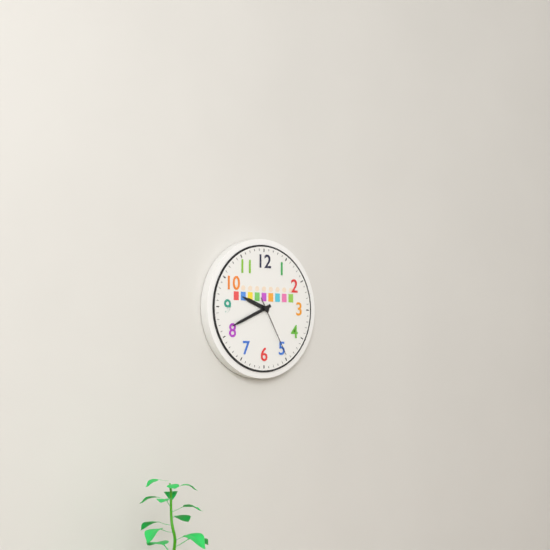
9:41:25
